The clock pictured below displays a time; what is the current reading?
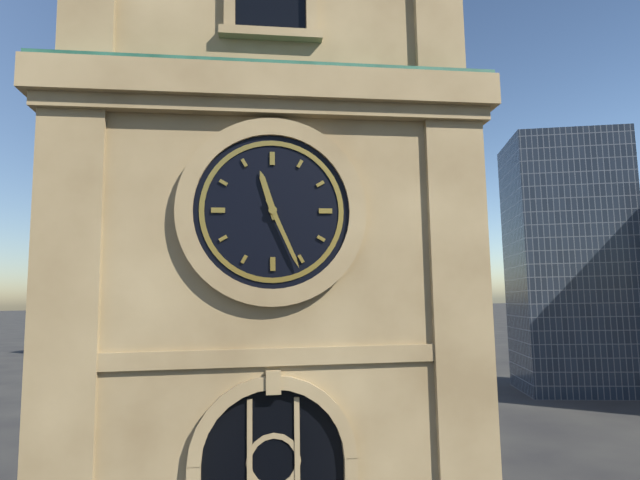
11:26
